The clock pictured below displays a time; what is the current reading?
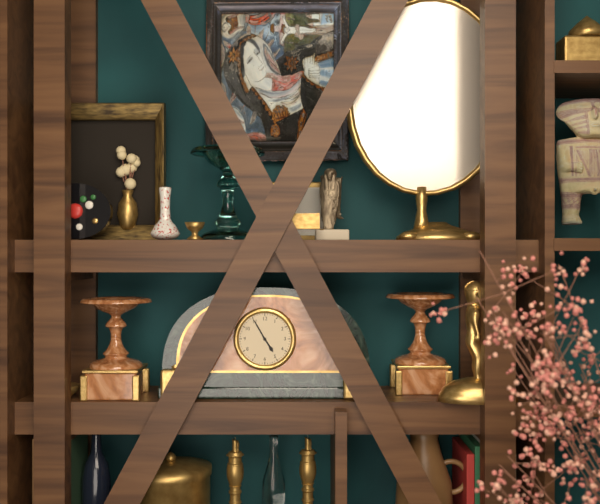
4:55
